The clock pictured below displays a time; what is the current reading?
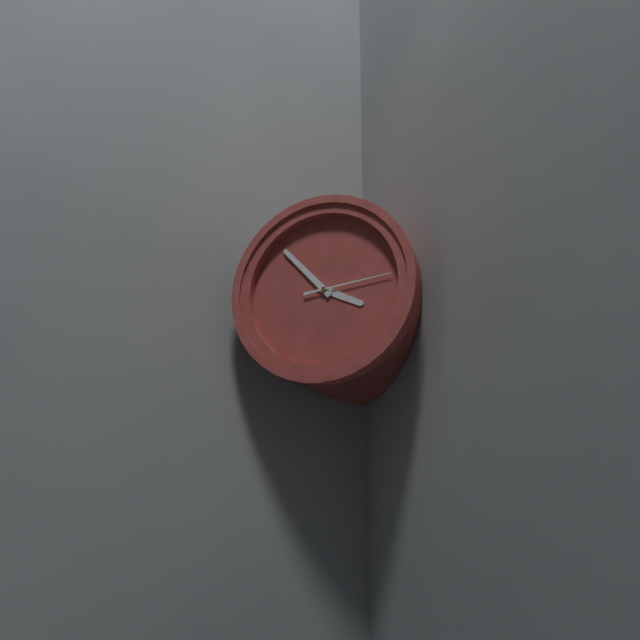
3:53:14
